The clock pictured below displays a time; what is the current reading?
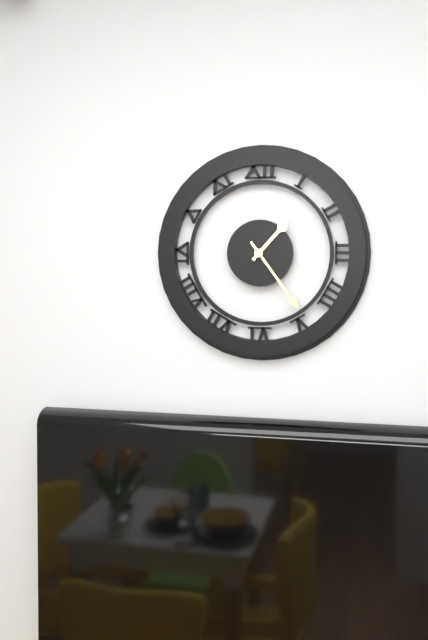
1:24
